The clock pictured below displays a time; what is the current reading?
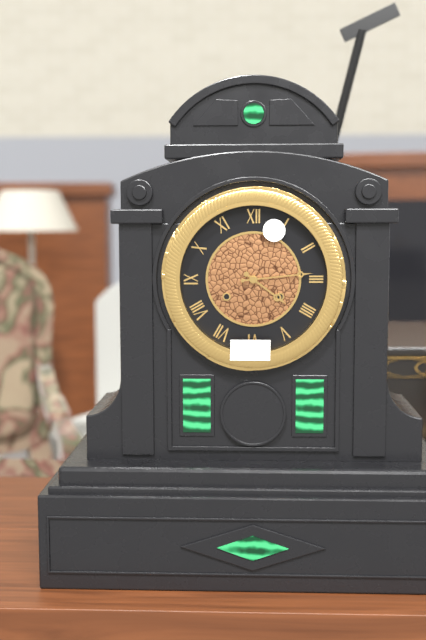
4:14
